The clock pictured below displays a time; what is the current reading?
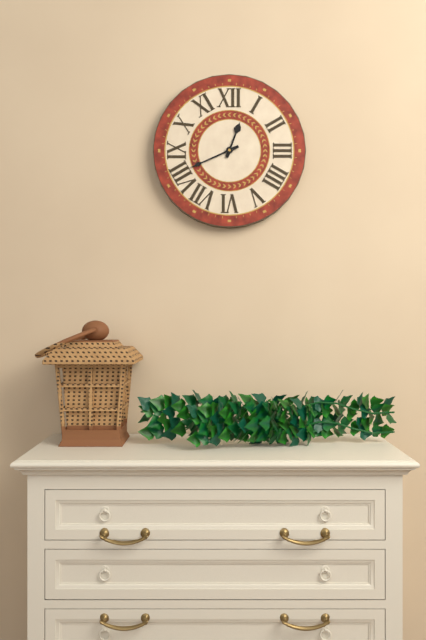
12:41
